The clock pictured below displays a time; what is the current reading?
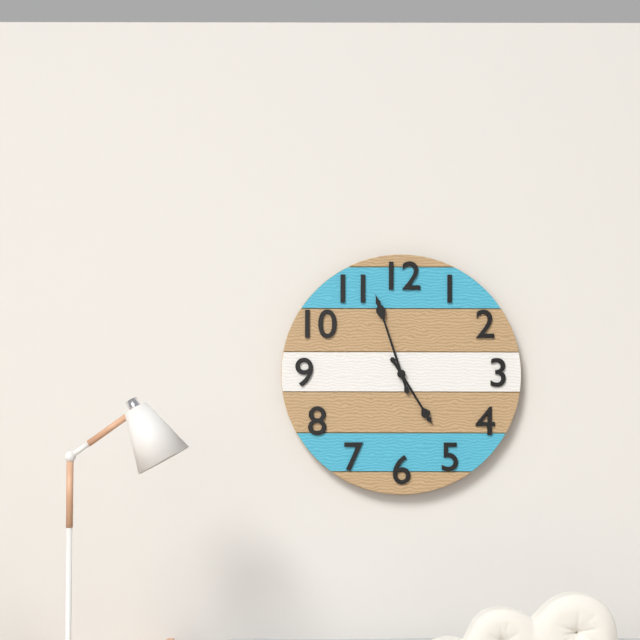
4:57
